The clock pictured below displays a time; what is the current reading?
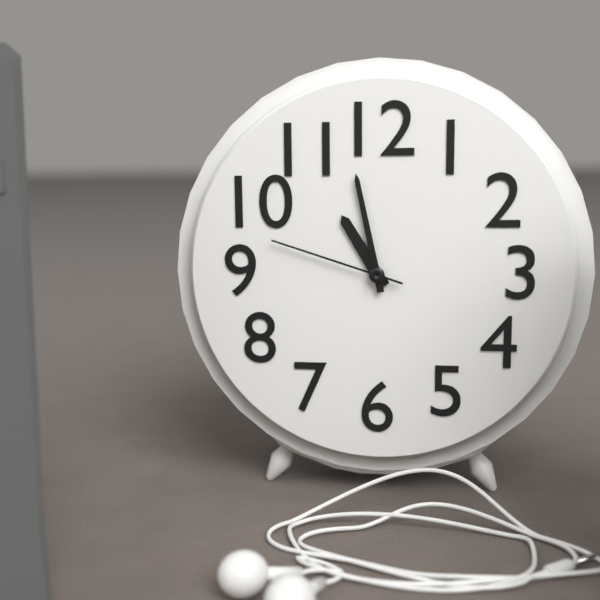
10:58:48
